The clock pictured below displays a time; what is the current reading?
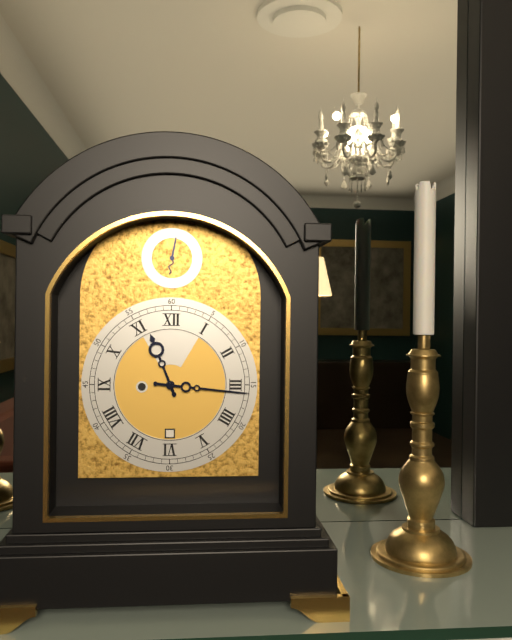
11:16
